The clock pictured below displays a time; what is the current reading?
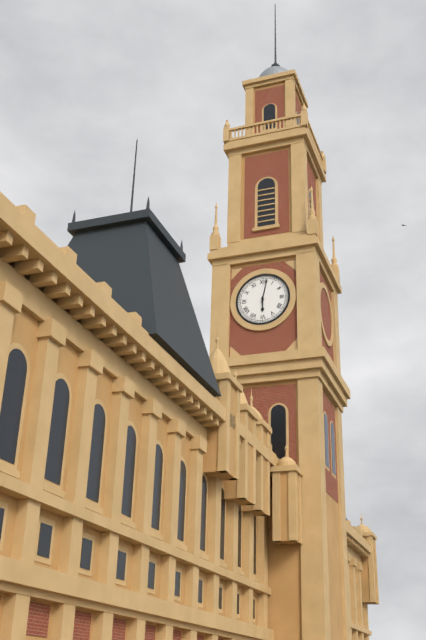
6:02
